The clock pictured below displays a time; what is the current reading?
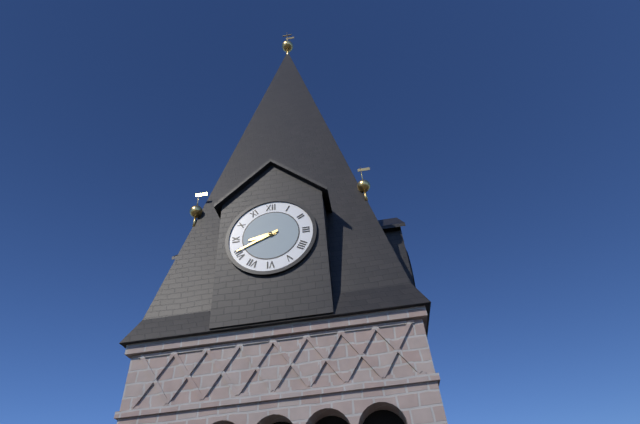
8:41
